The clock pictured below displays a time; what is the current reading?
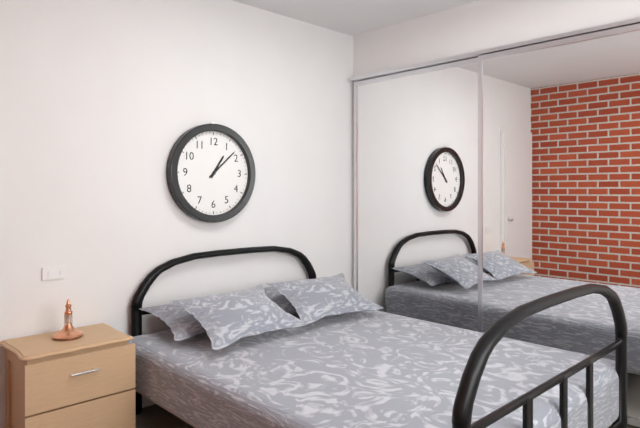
1:08
